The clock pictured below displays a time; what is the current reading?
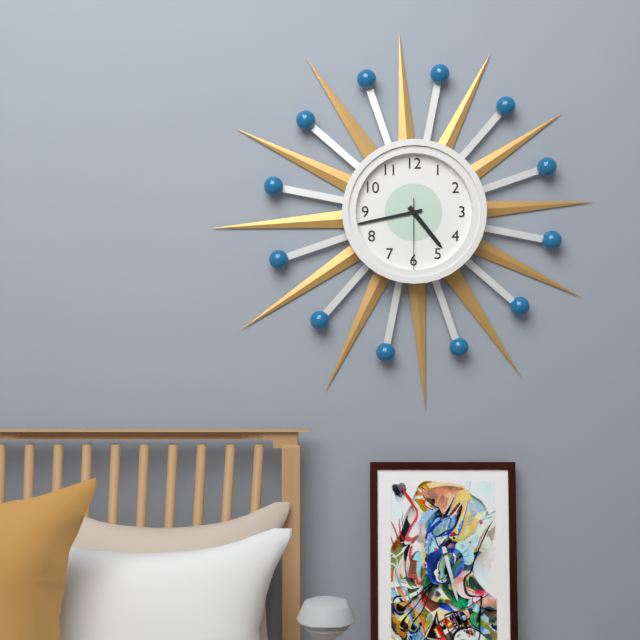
4:43:30
